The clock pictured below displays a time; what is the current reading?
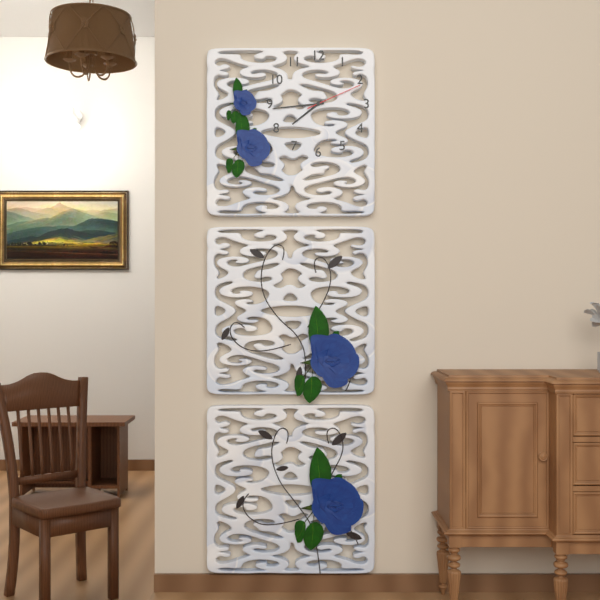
7:44:11
